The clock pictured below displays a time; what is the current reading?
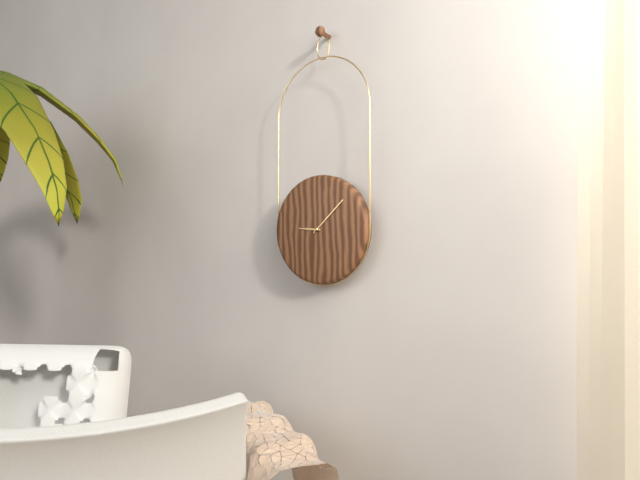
9:08
